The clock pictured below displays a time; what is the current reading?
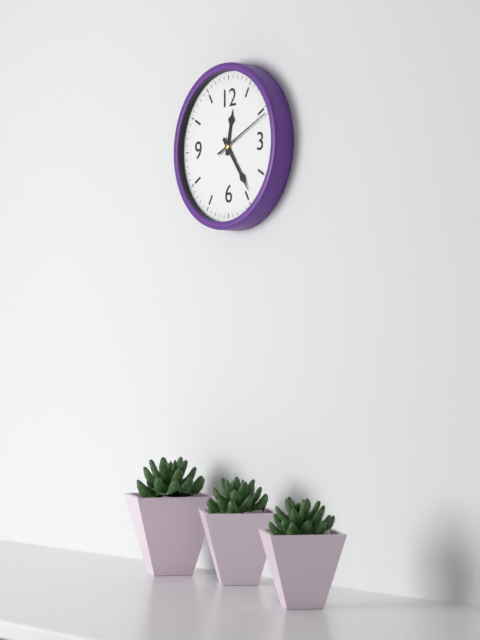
12:24:11
